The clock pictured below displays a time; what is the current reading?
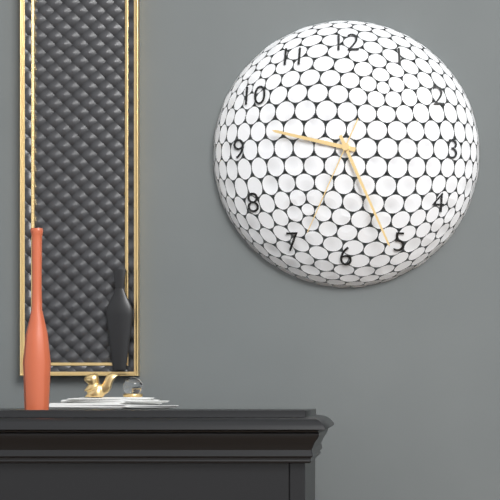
9:26:34
